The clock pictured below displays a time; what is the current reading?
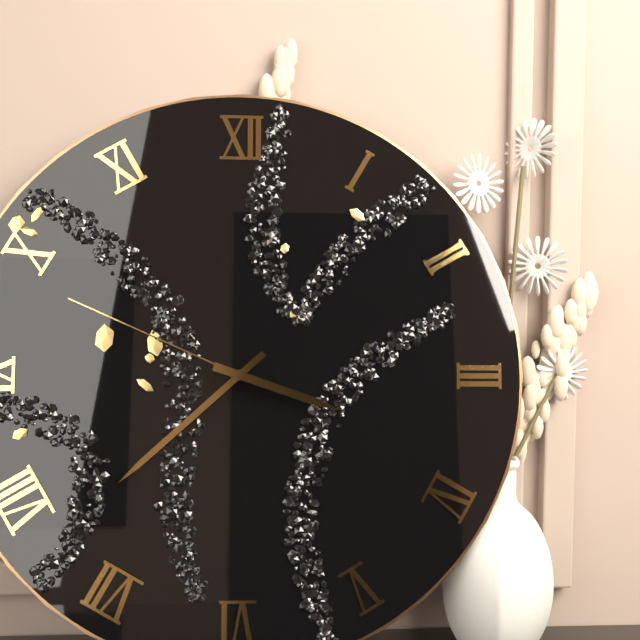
3:38:49
